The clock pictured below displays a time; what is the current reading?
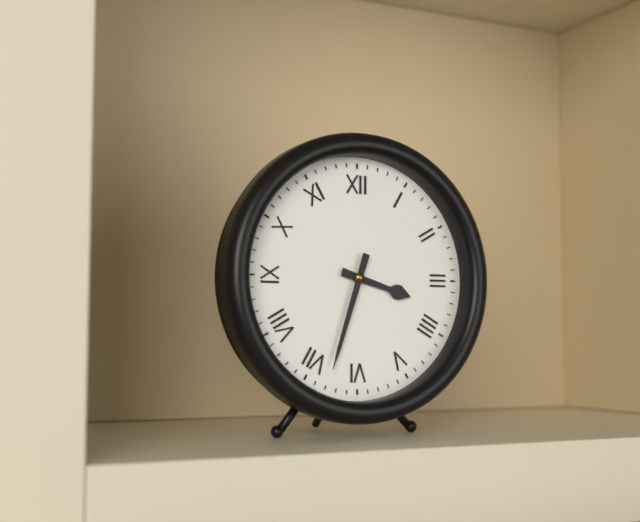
3:33
